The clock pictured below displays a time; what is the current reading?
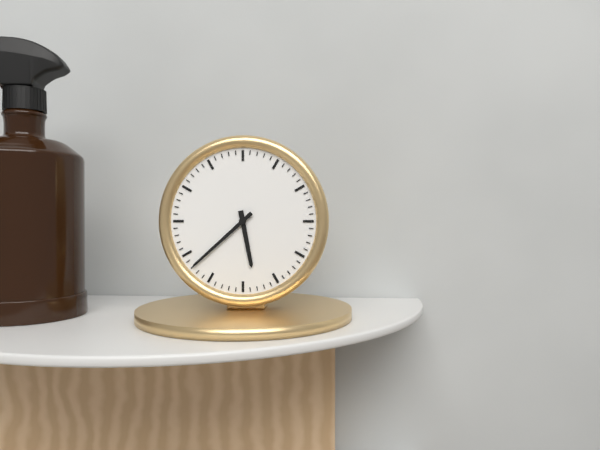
5:38
